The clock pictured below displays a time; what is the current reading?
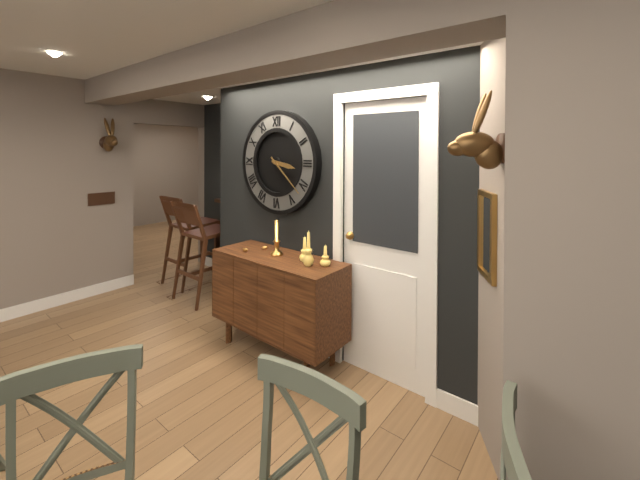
3:22
